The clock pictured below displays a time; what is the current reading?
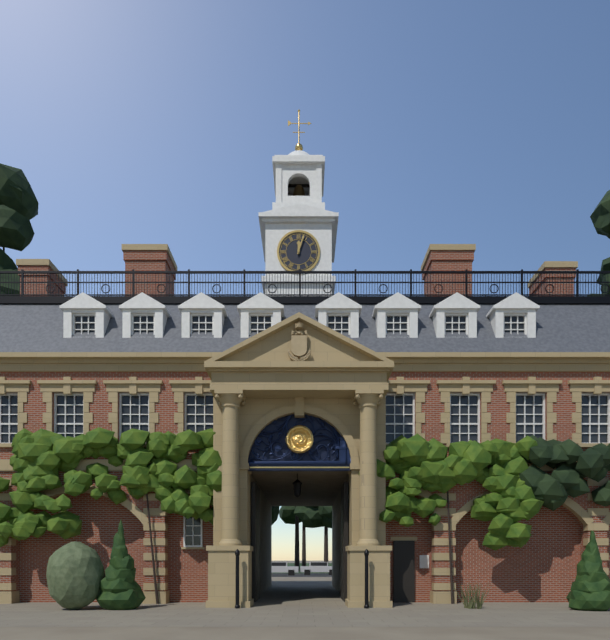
12:03
